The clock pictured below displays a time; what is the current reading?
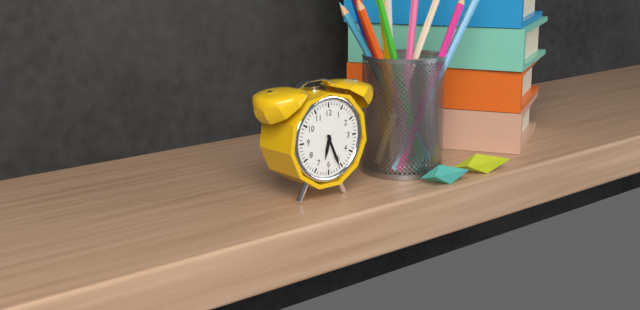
6:26
